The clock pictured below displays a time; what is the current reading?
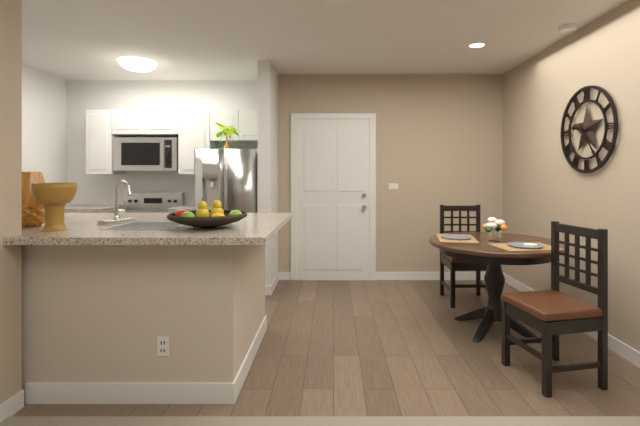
9:24
